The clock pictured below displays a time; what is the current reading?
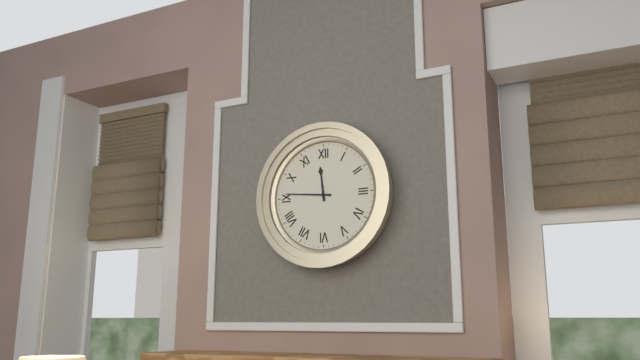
11:46
